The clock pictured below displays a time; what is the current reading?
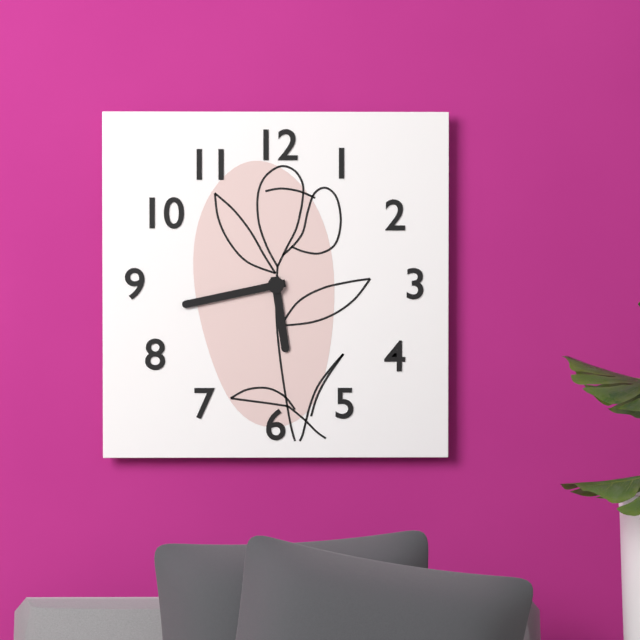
5:43
